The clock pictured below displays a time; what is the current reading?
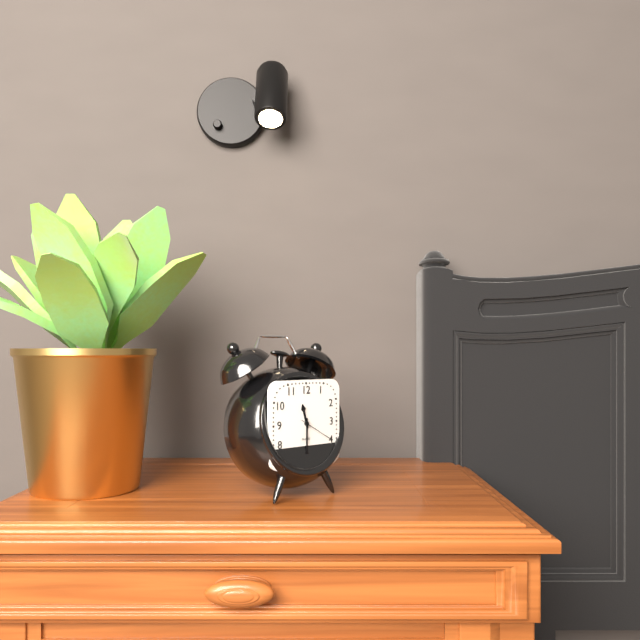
11:30
